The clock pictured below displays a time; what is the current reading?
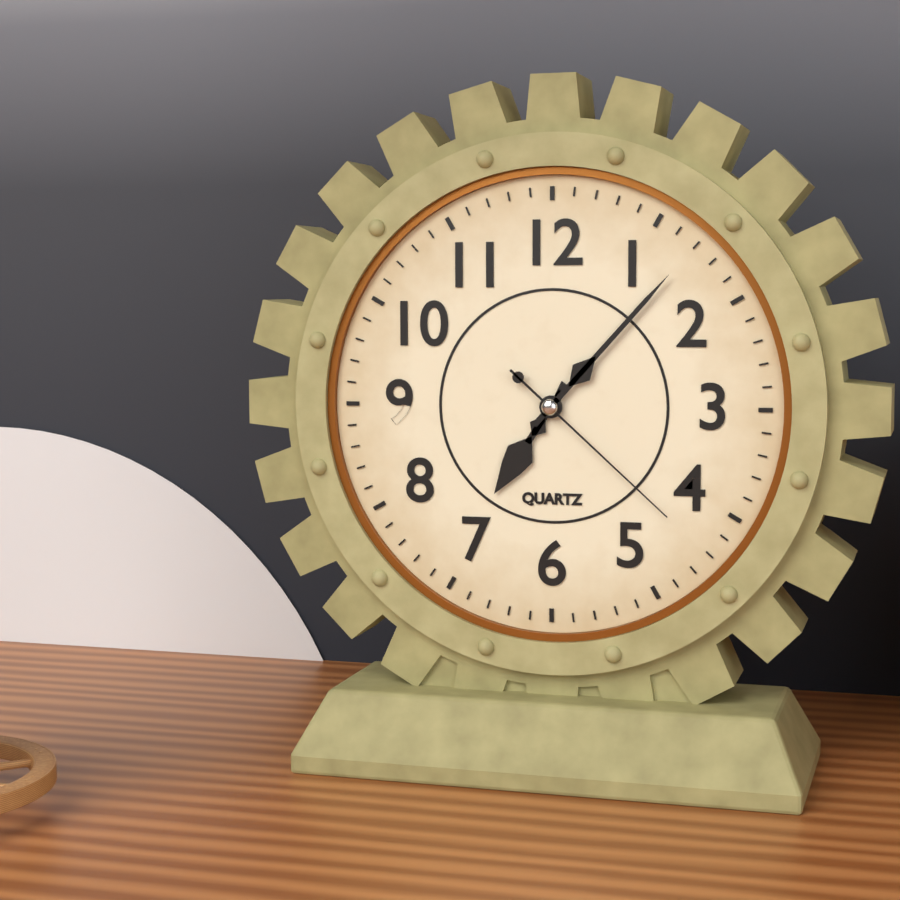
7:07:22
